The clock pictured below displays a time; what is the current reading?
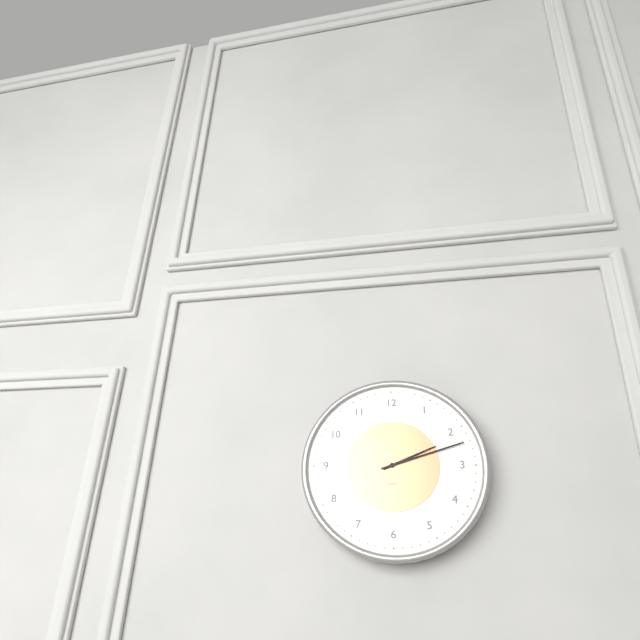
2:12
